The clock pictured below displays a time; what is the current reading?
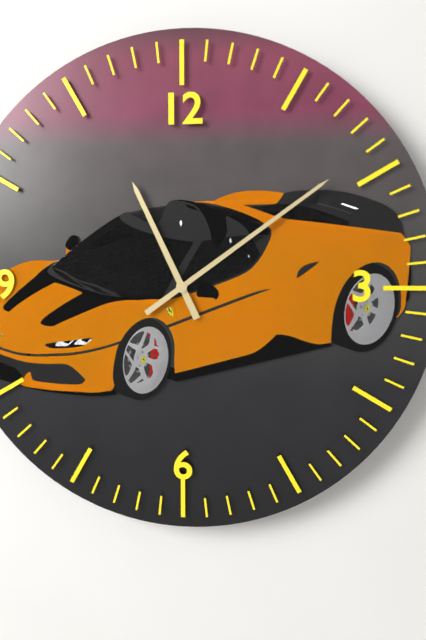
11:09
